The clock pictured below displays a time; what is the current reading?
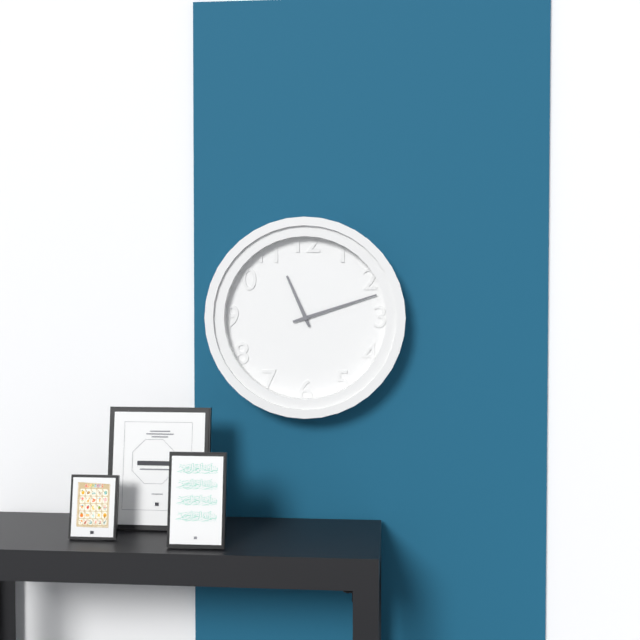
11:12
